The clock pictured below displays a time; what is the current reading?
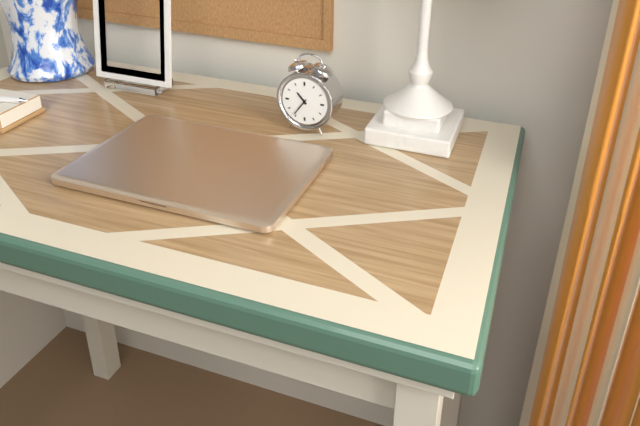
10:36
